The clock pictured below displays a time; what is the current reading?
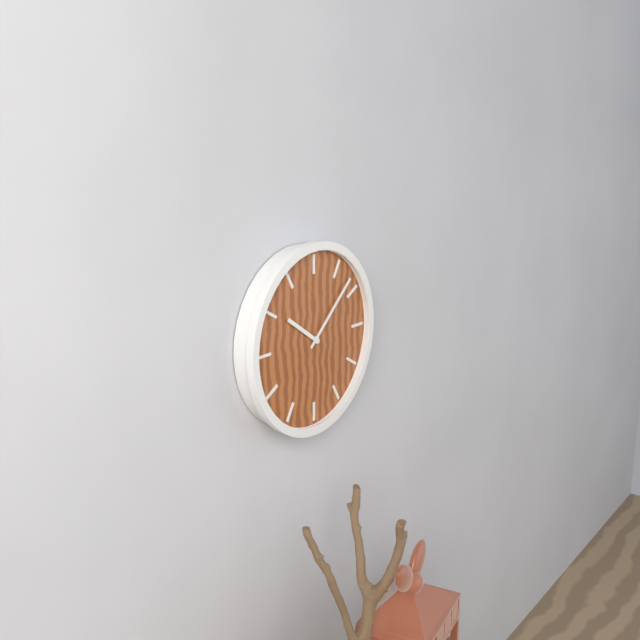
10:08
